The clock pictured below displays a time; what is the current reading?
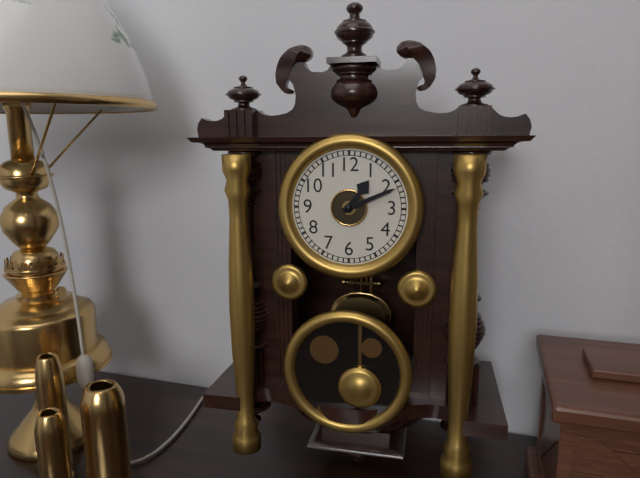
1:11
